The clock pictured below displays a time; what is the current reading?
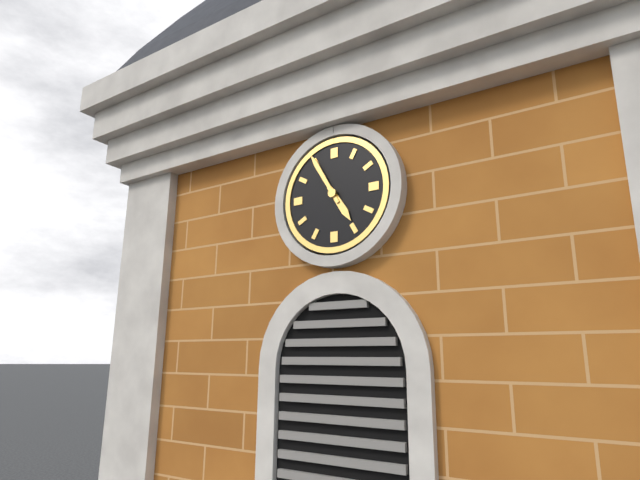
4:55
